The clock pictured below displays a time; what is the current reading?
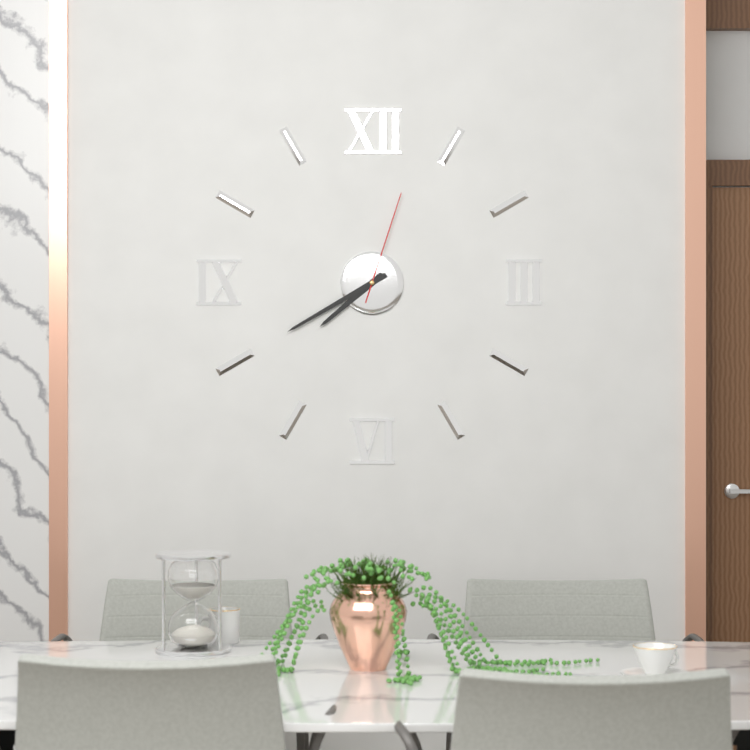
7:40:03
